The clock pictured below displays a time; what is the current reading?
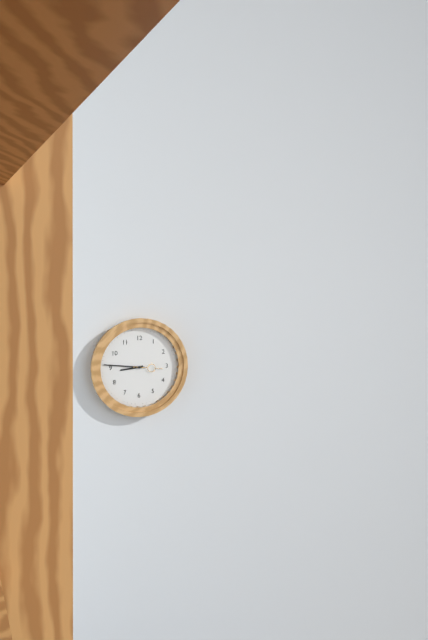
8:46
